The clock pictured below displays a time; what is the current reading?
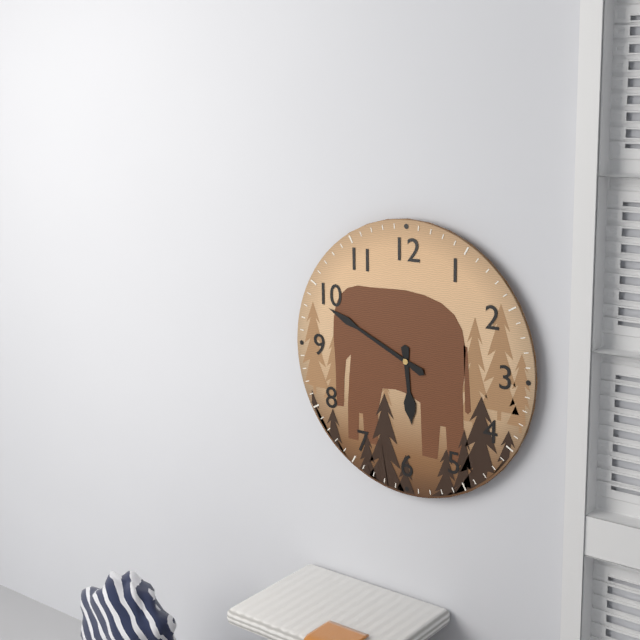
5:49
